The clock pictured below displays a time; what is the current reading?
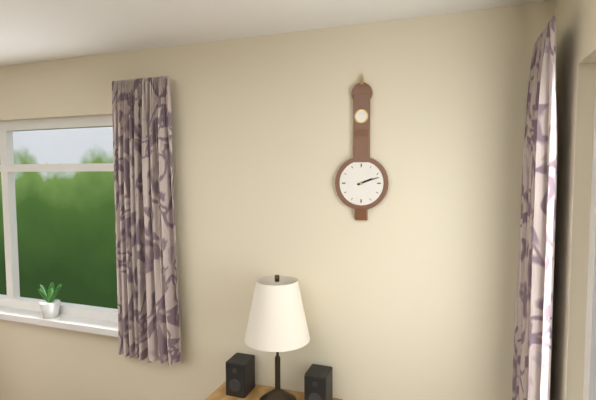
2:12
